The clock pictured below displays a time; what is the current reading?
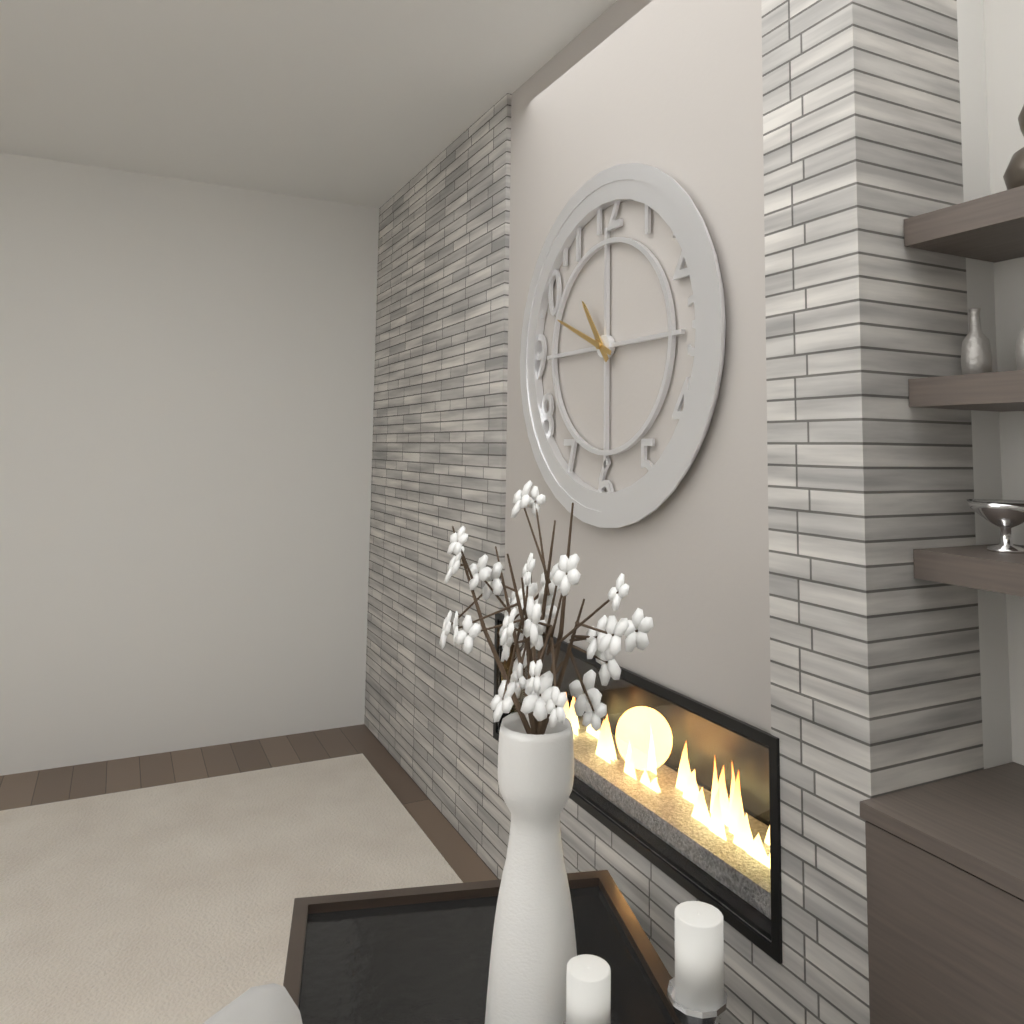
10:49
